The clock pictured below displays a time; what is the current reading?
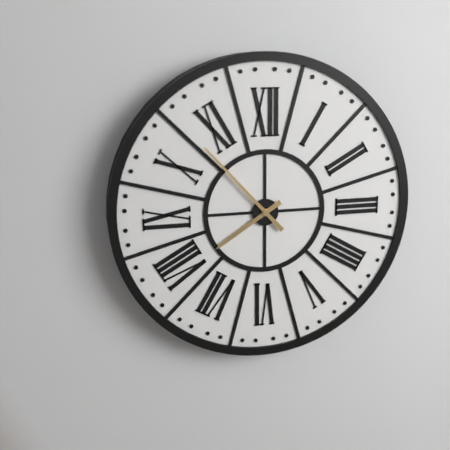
7:53
